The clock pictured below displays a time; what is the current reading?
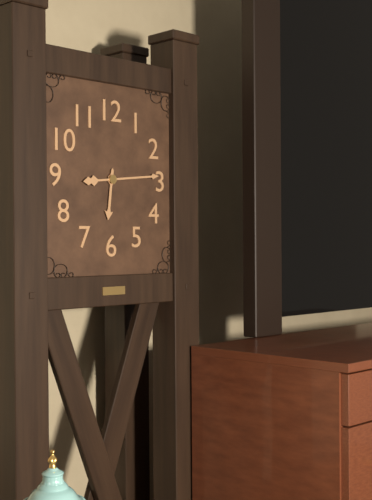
6:14
